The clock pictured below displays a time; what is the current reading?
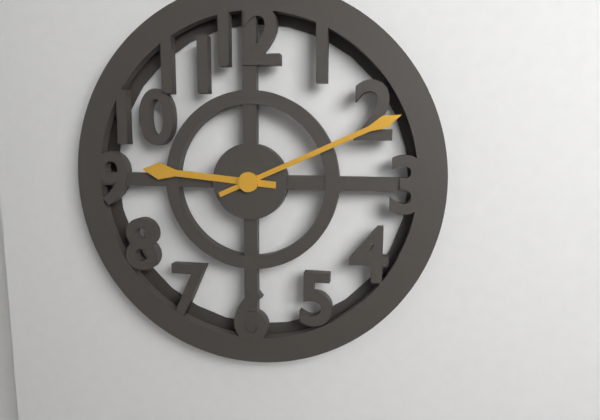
9:11
